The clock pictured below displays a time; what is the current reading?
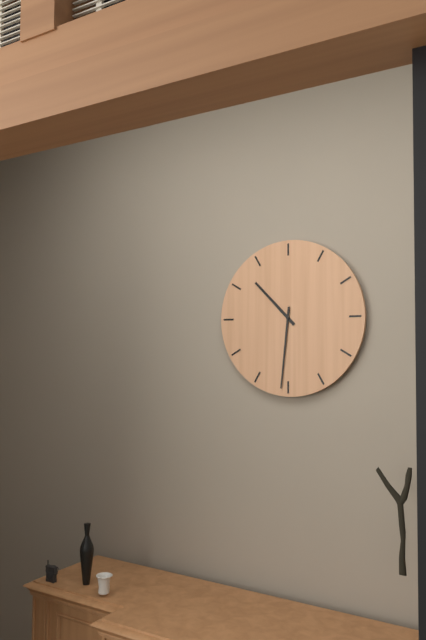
10:31
